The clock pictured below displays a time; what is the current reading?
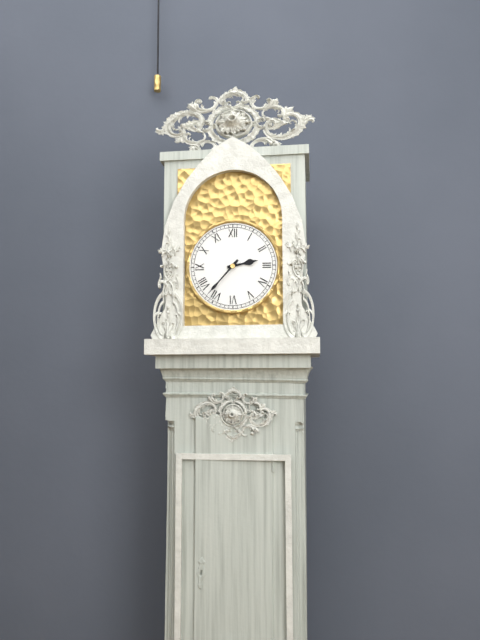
2:37
